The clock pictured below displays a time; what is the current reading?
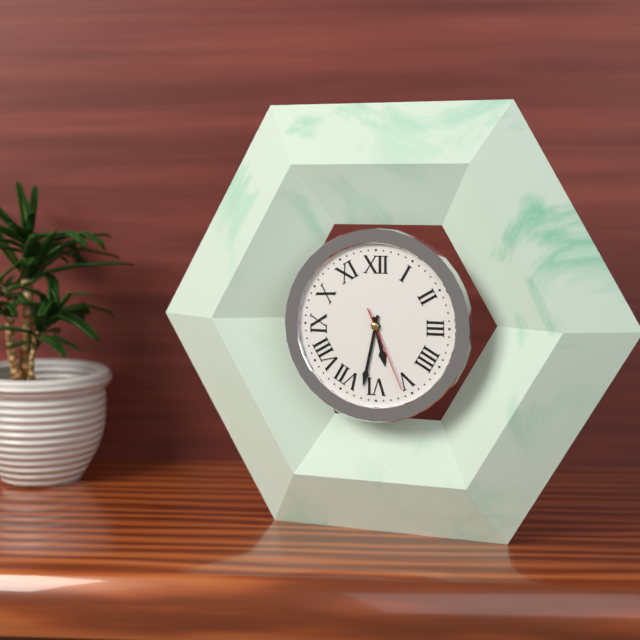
5:32:26
